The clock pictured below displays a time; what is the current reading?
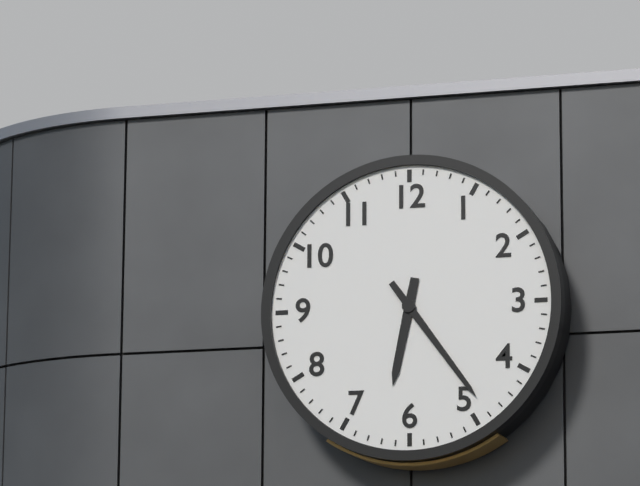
6:24
